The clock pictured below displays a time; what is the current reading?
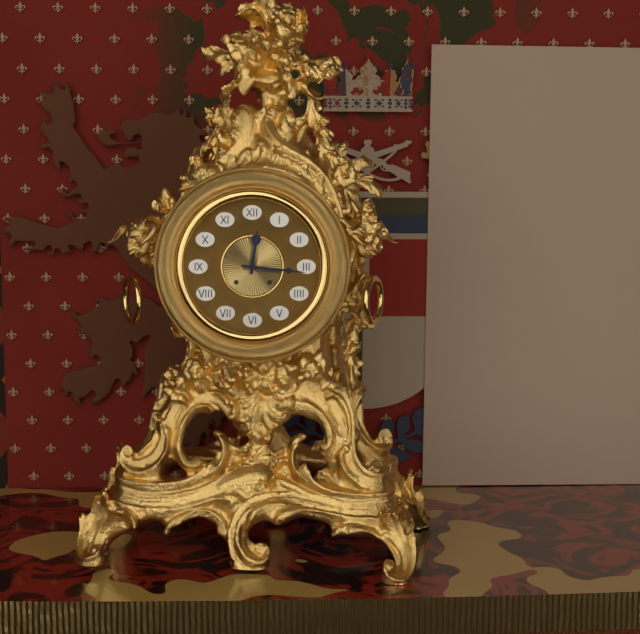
12:16
